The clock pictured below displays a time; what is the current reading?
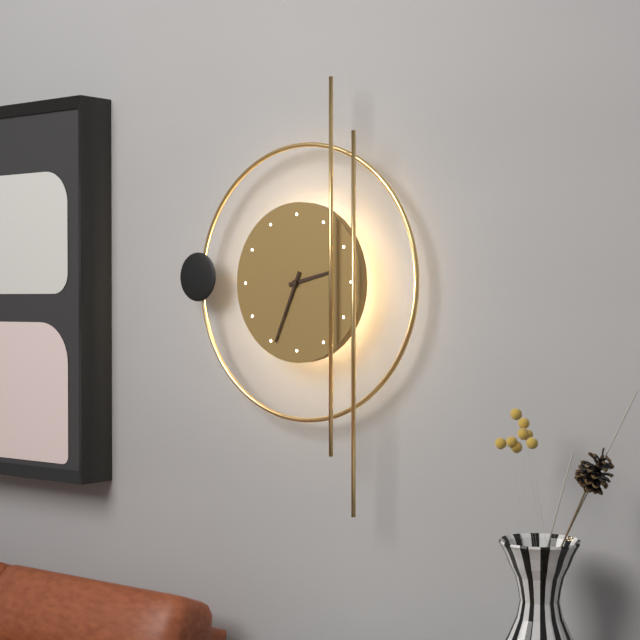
2:34
